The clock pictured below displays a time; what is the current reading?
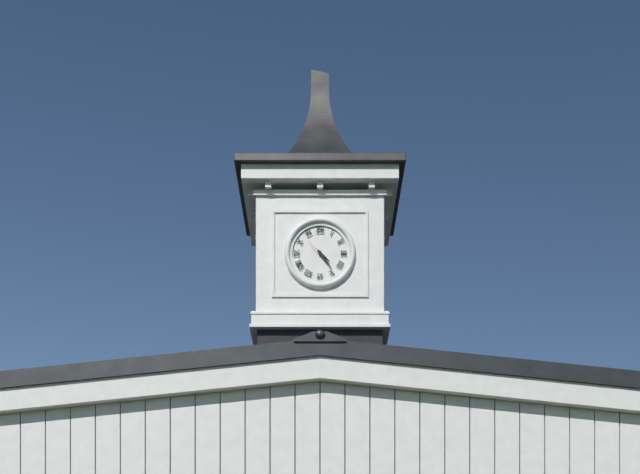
4:24
